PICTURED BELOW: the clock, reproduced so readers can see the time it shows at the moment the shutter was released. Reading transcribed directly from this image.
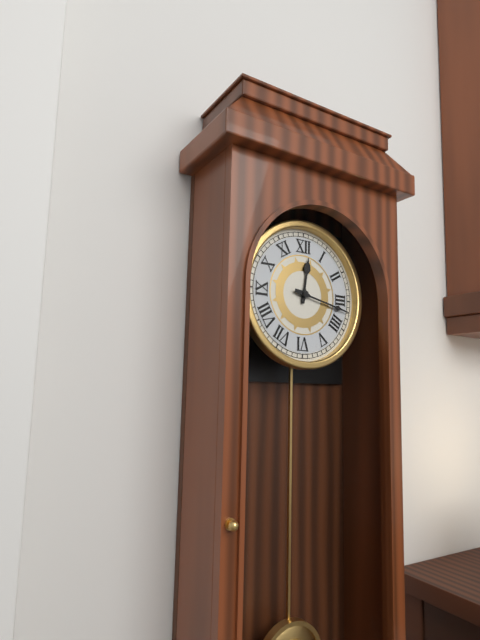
12:17
